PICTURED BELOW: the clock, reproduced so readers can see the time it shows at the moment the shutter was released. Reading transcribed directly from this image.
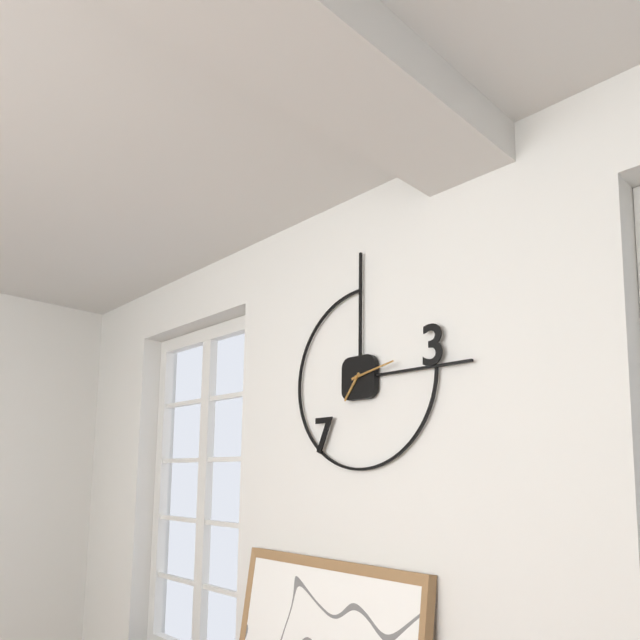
7:13
